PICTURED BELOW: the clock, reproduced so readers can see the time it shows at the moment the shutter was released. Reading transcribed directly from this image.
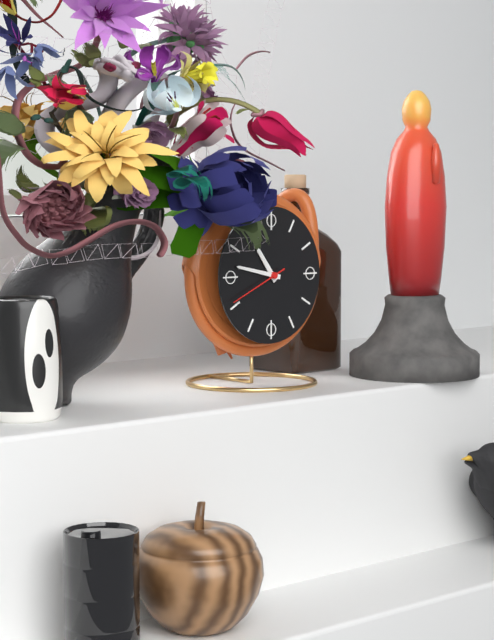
10:47
